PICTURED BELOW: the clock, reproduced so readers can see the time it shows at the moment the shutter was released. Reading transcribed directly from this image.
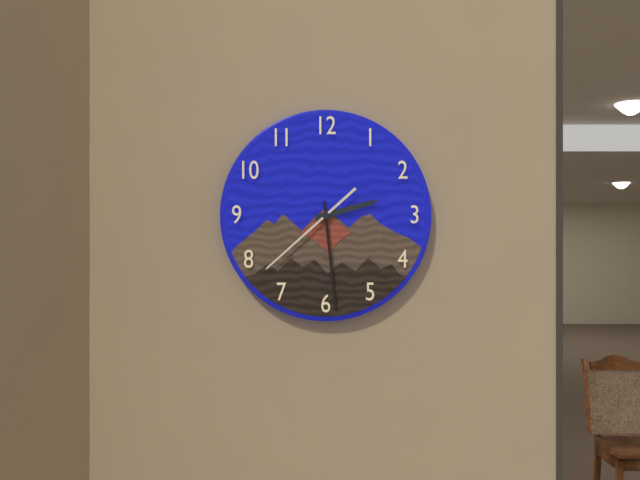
2:29:38
